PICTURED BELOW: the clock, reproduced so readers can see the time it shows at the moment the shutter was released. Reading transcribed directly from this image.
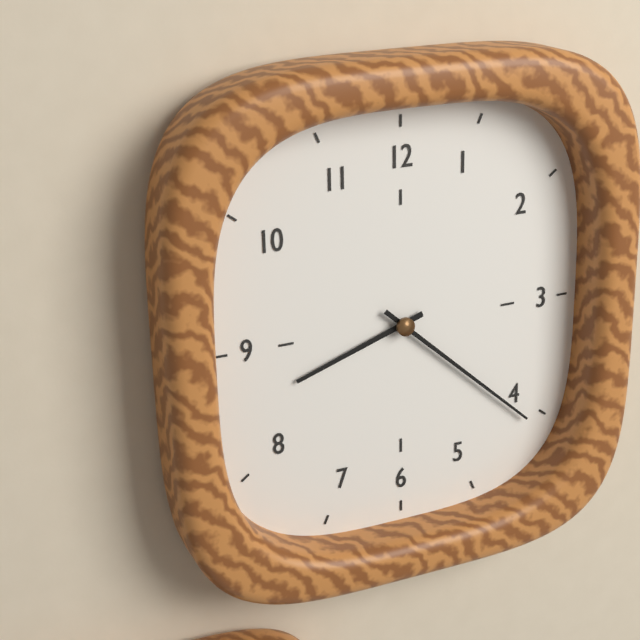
8:22
